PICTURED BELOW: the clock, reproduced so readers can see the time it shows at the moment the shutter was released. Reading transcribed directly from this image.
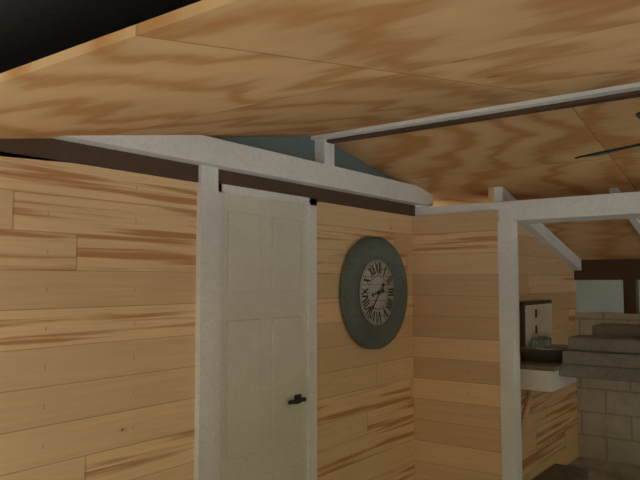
8:37
